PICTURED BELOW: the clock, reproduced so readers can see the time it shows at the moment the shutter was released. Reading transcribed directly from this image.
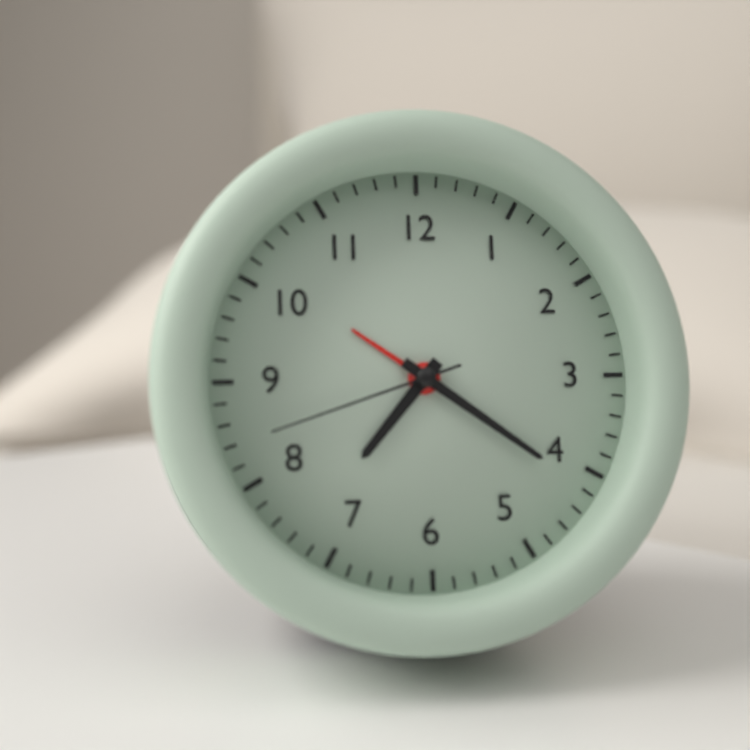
7:21:42
